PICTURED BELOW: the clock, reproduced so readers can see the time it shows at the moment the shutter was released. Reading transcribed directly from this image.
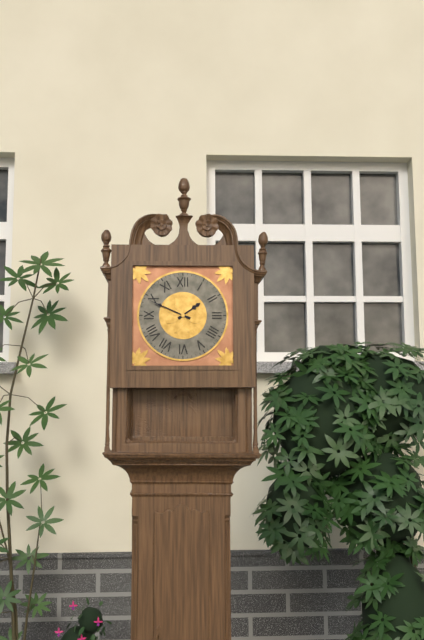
1:49
